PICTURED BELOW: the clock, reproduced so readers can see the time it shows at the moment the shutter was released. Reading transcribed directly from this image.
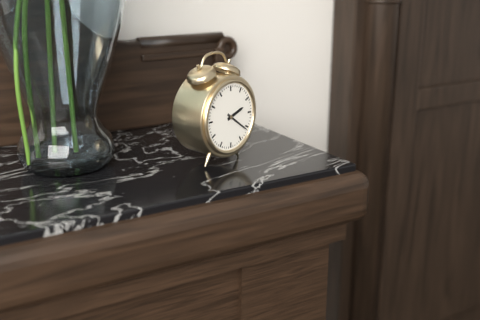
2:21
